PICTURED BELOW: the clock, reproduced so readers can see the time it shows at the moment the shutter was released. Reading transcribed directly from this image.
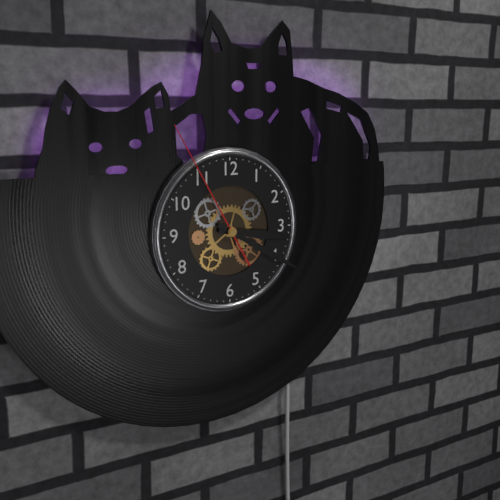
3:20:55
